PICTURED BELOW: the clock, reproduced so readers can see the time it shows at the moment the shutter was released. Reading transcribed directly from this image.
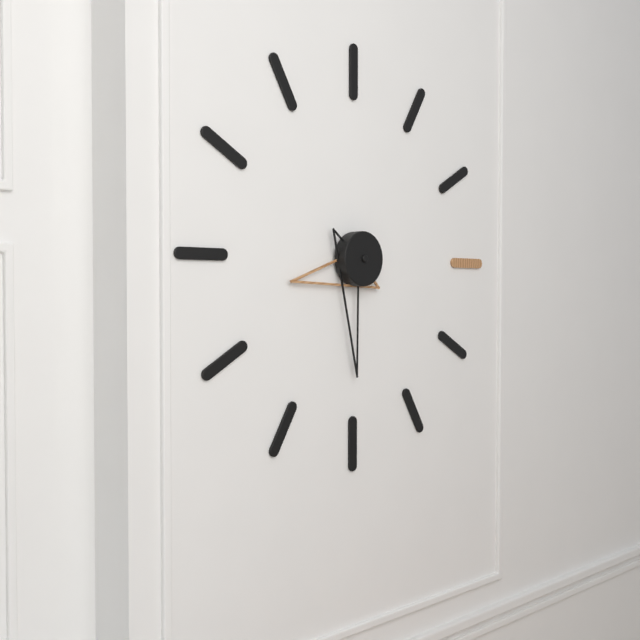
8:30
